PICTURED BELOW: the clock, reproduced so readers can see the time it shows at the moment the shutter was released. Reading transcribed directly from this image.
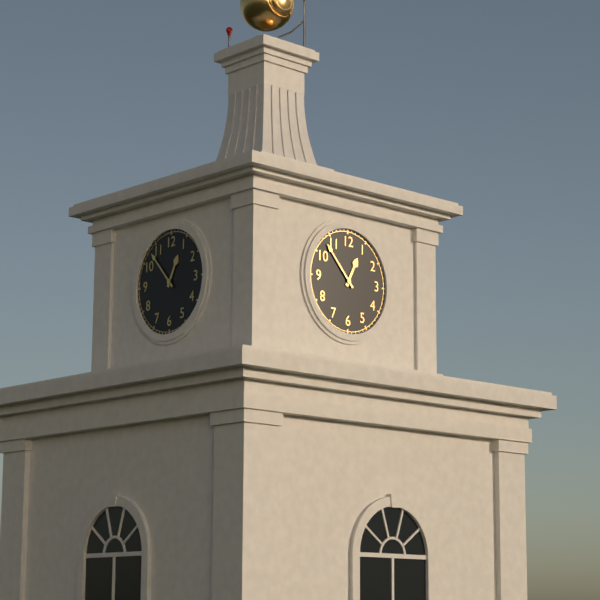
12:53
